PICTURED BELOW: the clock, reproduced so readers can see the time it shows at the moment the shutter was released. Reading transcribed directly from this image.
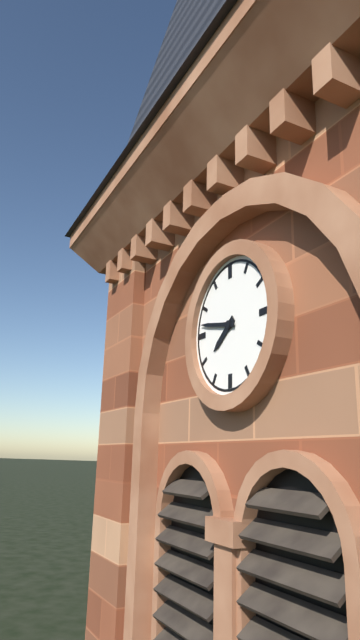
7:47
